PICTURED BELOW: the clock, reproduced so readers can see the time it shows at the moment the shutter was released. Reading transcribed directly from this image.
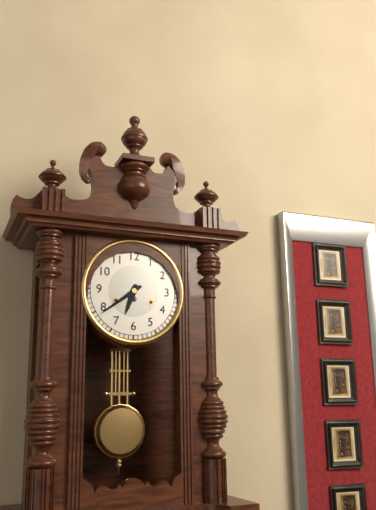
6:39
